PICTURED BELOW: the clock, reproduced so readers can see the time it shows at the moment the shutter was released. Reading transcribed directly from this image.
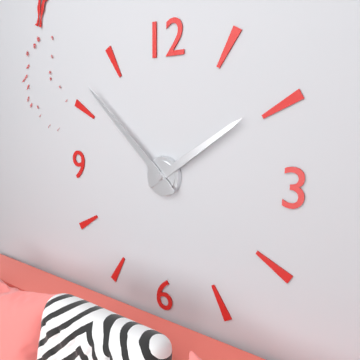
1:52
